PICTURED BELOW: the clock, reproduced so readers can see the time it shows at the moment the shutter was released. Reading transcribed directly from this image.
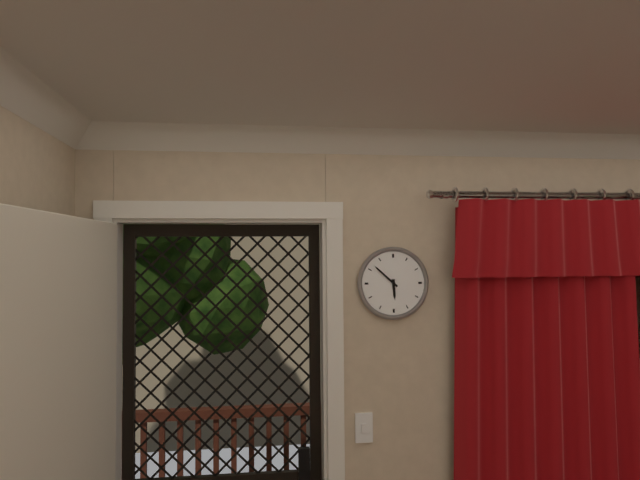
5:52
